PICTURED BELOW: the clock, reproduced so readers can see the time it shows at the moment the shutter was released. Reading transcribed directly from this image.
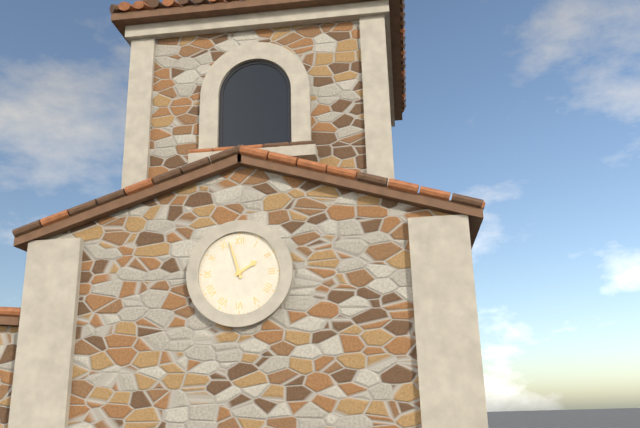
1:57
